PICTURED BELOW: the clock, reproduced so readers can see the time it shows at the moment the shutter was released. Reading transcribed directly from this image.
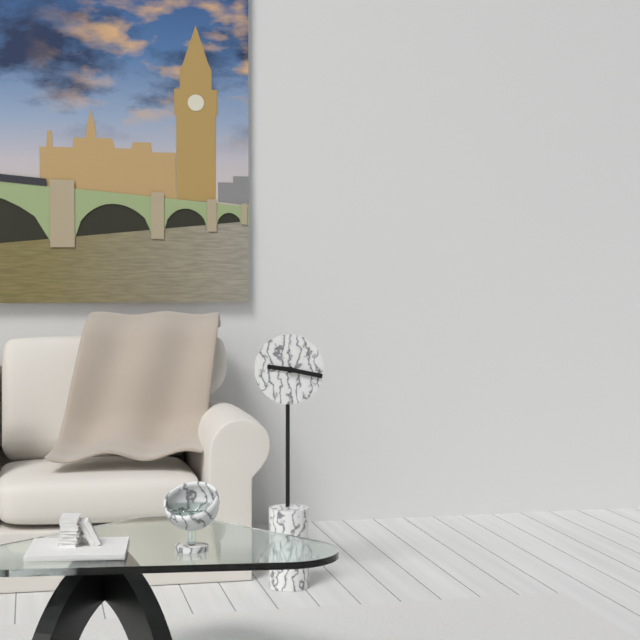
9:17
